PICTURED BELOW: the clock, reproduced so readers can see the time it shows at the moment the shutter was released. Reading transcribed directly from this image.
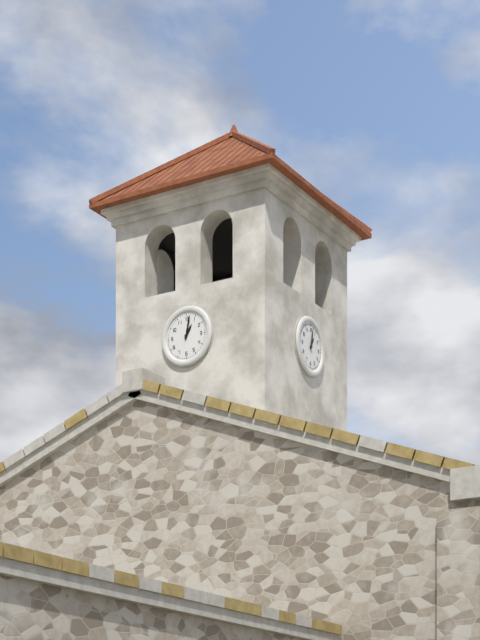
1:02
